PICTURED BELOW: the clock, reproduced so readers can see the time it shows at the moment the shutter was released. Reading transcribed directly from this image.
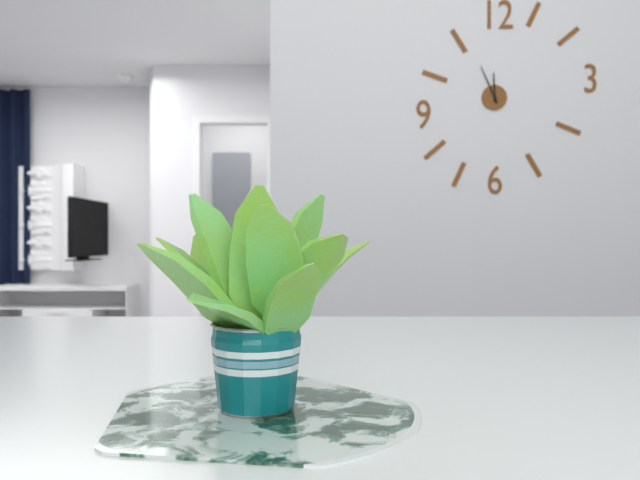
11:56
